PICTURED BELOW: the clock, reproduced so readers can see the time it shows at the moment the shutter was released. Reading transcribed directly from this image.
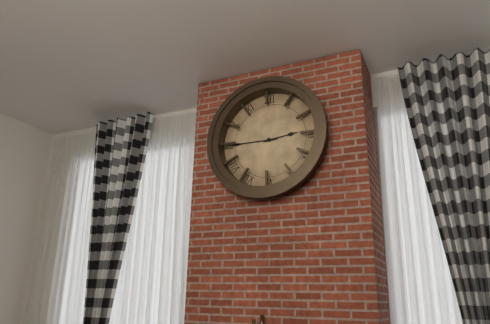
2:45
